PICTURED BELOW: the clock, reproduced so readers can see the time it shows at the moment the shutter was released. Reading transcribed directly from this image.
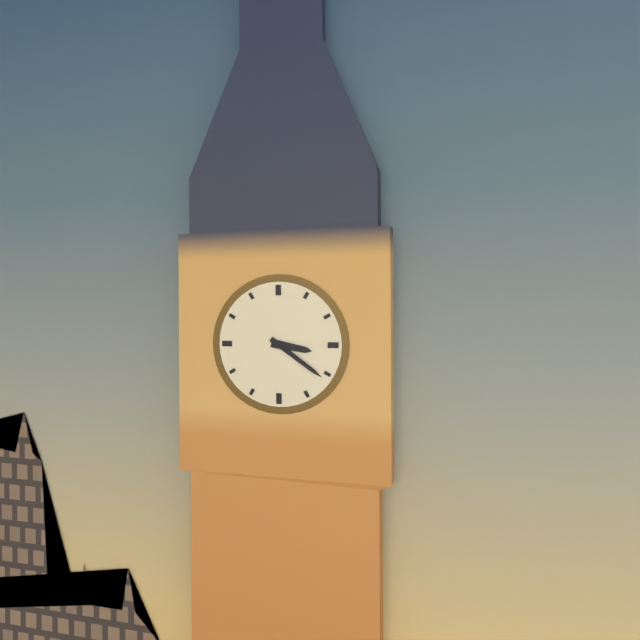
3:21
